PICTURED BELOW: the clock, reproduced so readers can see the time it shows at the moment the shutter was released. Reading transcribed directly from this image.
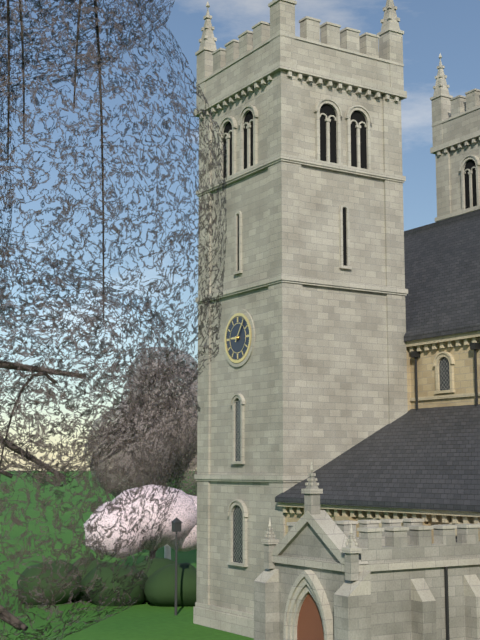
9:06
